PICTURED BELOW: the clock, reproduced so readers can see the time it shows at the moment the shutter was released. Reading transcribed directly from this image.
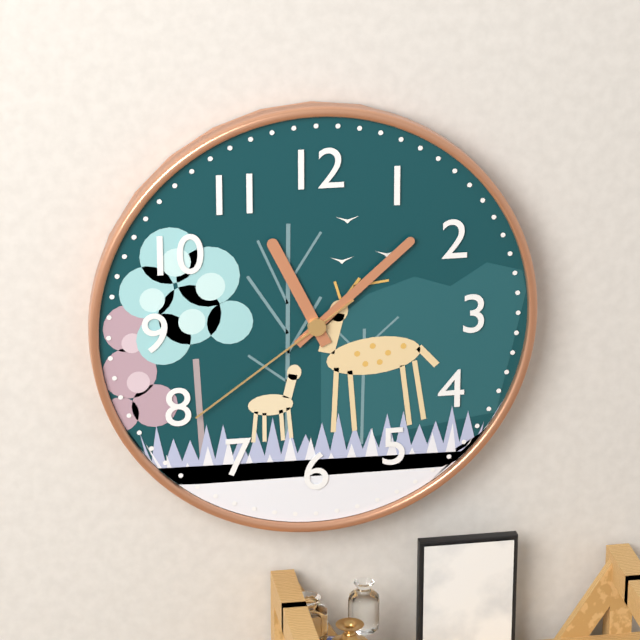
11:08:39
